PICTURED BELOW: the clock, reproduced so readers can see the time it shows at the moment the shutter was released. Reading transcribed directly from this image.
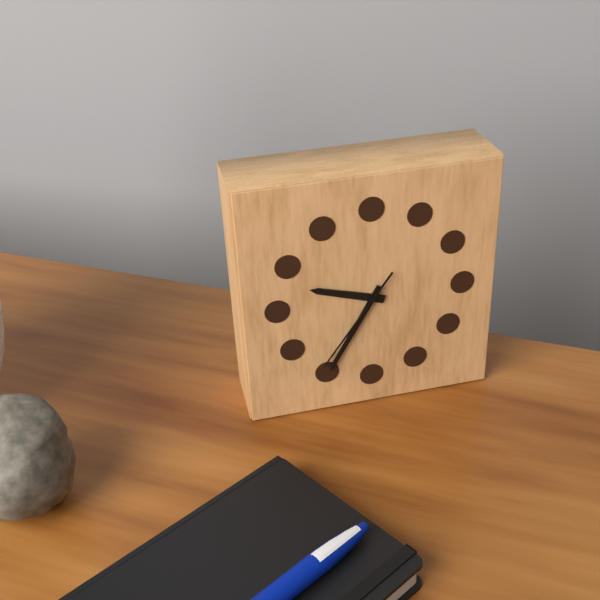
9:35:36
